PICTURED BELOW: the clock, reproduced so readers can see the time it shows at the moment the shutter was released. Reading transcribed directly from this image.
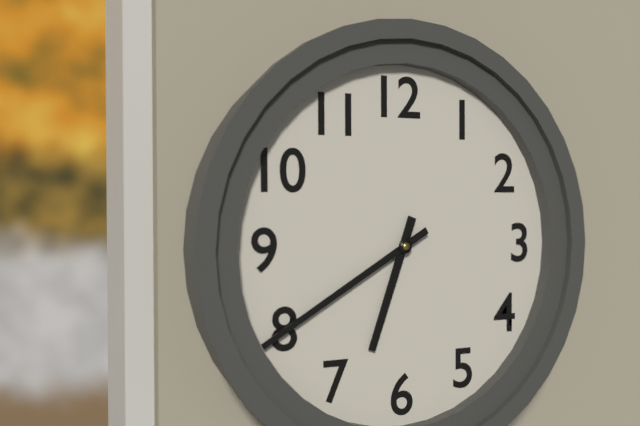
6:40
